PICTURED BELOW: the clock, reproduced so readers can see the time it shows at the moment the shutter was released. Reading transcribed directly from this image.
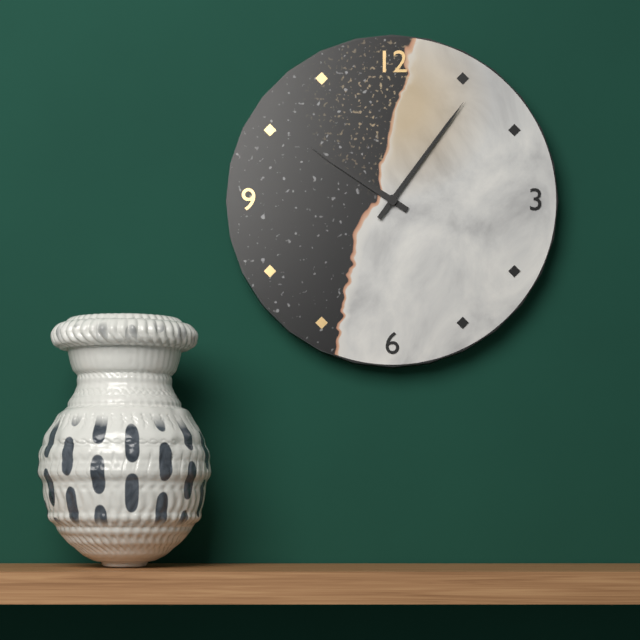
10:06
